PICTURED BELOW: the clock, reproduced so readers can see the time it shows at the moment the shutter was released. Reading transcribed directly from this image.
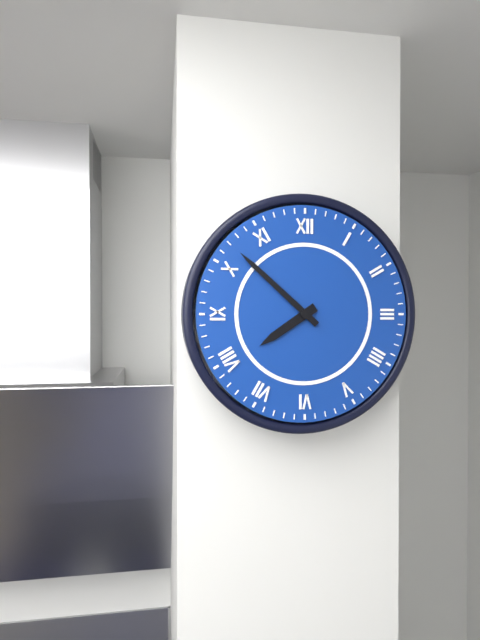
7:52
